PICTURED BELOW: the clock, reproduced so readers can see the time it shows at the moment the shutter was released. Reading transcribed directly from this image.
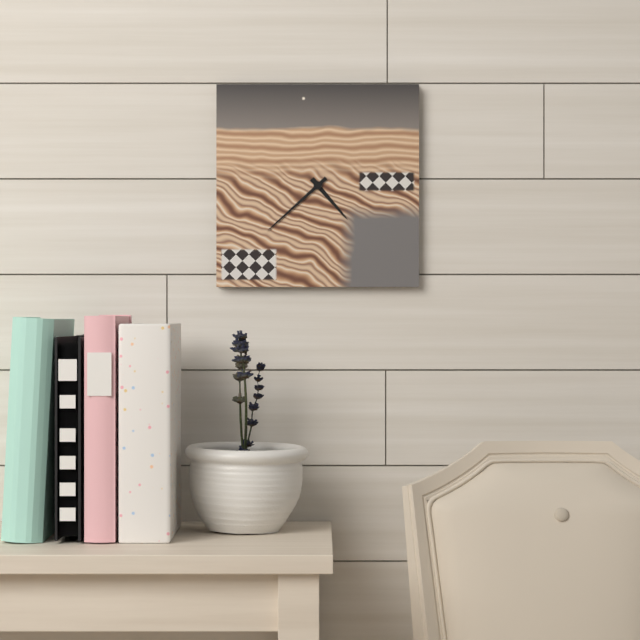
4:38
